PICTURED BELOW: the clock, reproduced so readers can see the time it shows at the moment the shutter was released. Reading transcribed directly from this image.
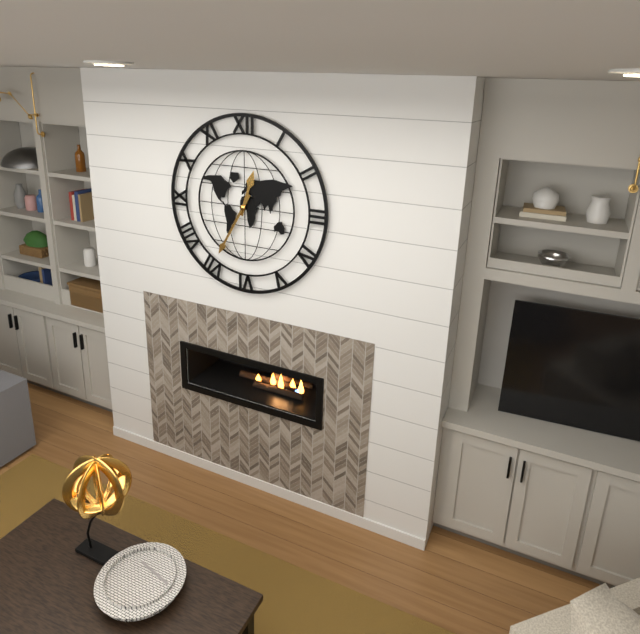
12:35
